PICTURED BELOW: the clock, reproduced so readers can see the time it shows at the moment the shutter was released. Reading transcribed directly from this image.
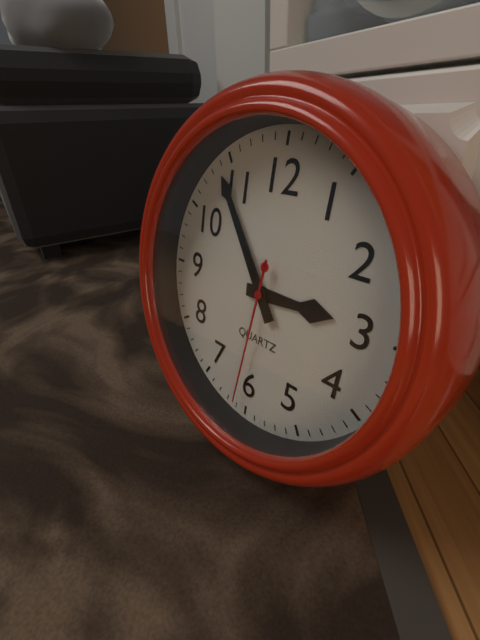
2:54:31
